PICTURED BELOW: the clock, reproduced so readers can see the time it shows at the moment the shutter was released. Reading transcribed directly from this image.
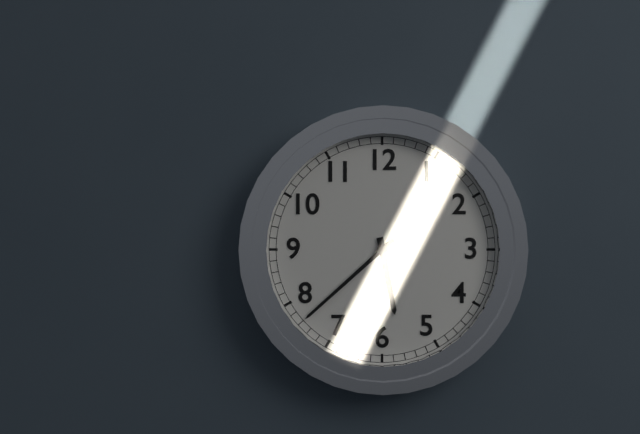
5:38
